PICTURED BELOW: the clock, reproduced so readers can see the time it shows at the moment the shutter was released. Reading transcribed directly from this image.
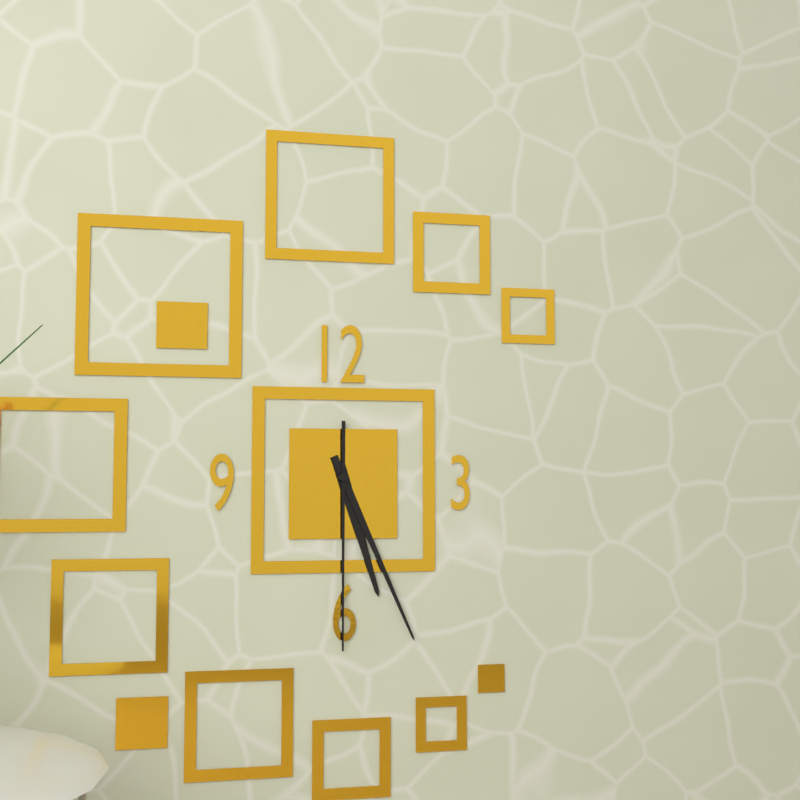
5:26:30
